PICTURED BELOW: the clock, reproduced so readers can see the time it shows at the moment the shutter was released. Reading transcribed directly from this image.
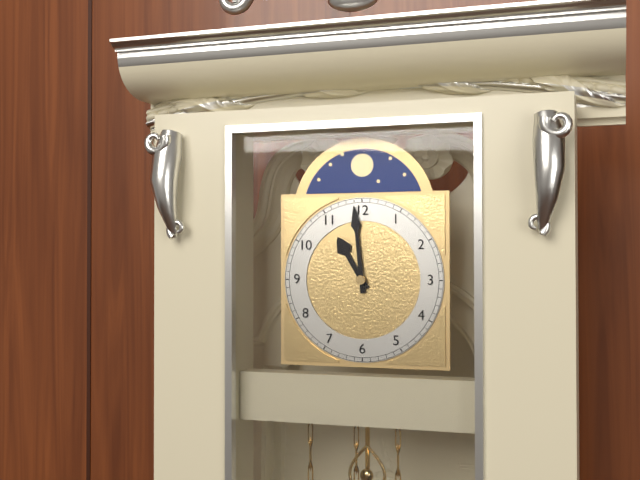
10:59
